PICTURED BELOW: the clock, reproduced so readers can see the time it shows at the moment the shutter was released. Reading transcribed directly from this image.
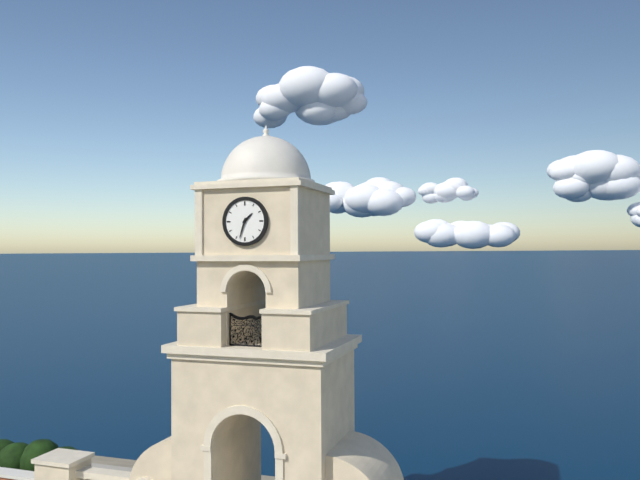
1:33
